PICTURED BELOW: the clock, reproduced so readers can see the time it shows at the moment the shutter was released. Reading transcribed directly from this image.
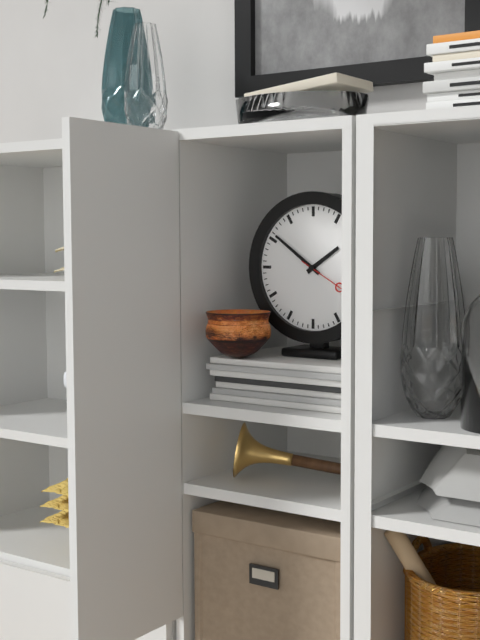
1:51
